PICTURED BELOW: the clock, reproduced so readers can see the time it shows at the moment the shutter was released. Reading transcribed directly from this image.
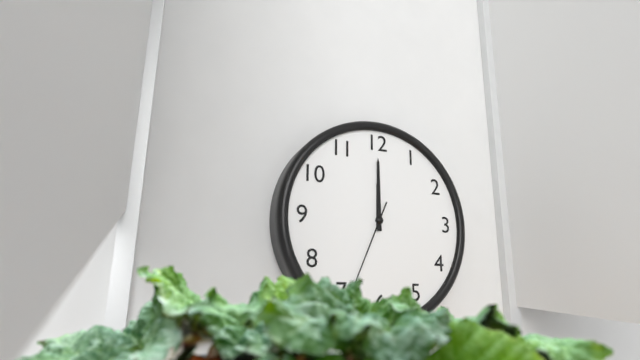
12:00:34
